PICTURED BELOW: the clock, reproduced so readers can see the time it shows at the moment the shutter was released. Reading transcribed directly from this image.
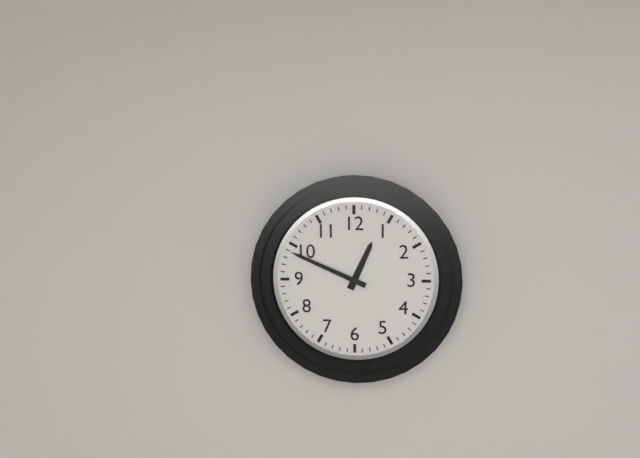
12:49
